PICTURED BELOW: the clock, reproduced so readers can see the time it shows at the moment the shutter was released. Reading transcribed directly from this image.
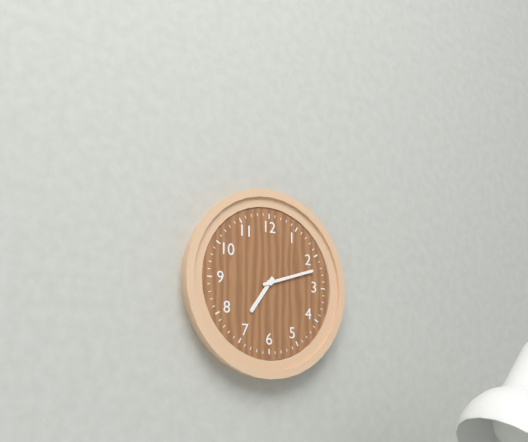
7:12
